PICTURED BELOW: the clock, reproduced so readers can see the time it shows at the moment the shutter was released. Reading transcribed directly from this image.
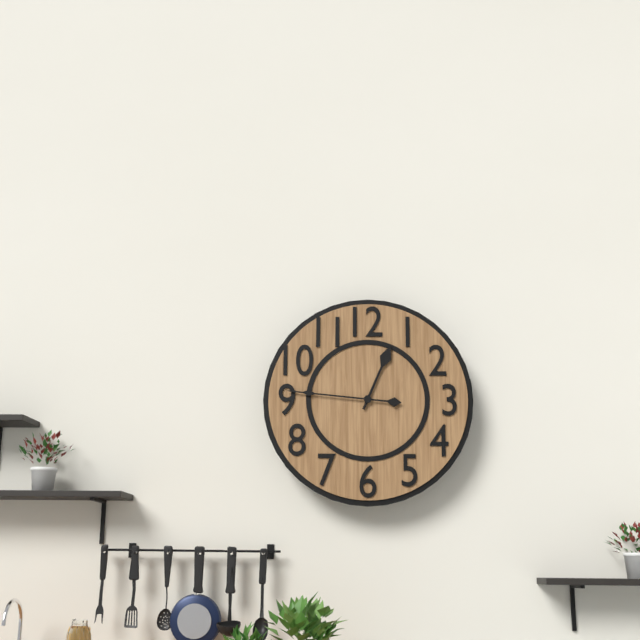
12:46
